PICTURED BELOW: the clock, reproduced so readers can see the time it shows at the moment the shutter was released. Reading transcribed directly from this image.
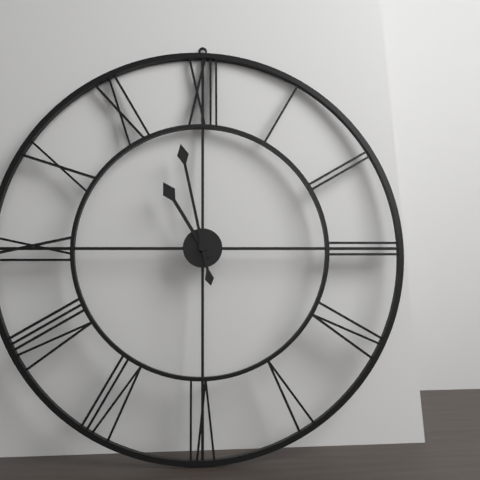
10:58
